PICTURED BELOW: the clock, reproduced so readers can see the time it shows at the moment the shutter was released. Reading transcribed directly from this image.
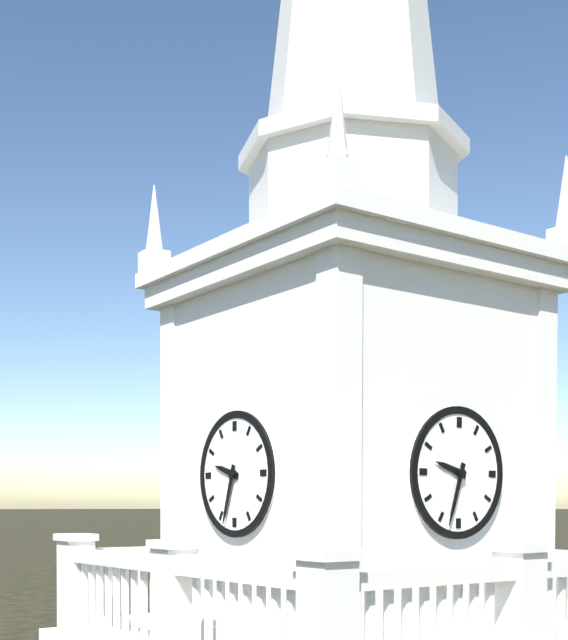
9:33
